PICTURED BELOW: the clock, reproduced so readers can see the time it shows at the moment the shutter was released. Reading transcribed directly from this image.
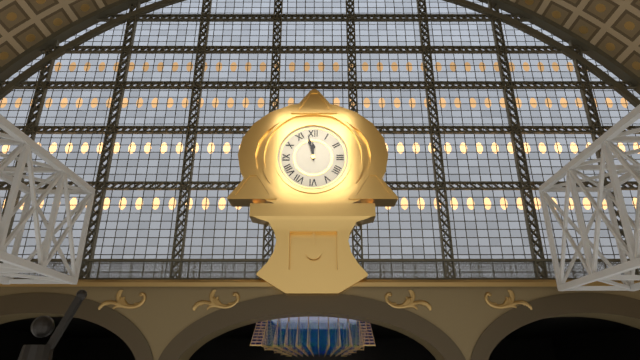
11:58
